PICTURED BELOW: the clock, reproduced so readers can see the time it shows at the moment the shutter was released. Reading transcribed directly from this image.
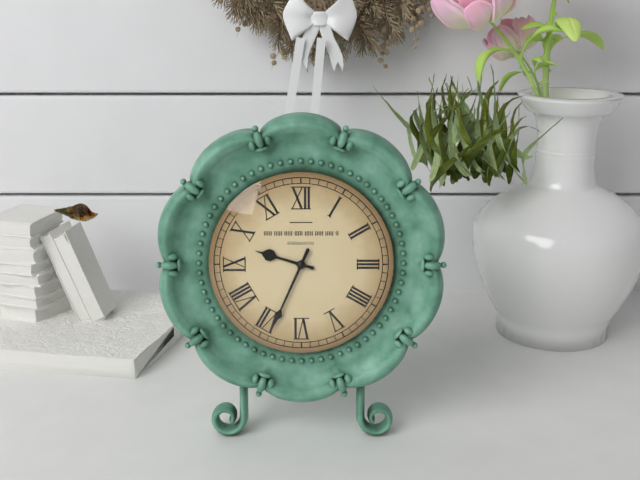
9:34
